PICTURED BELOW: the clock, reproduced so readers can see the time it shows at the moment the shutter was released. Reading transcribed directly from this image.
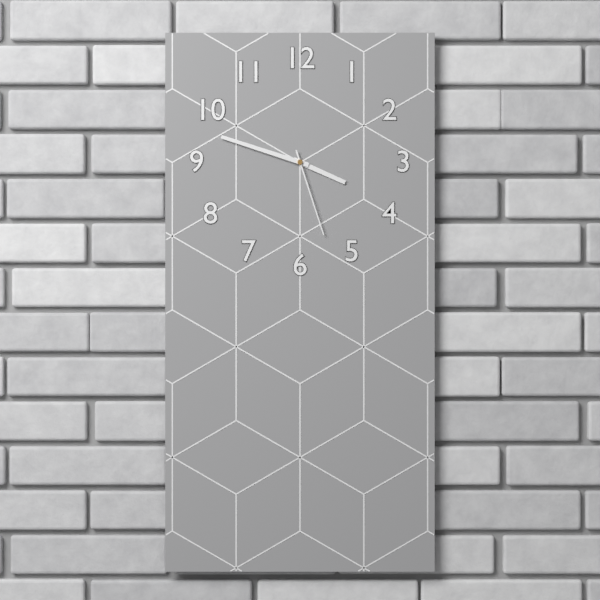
3:48:27
